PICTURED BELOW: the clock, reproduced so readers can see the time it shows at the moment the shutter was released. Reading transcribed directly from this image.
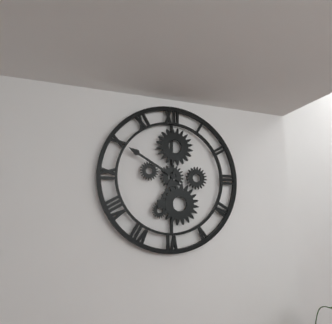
6:50
